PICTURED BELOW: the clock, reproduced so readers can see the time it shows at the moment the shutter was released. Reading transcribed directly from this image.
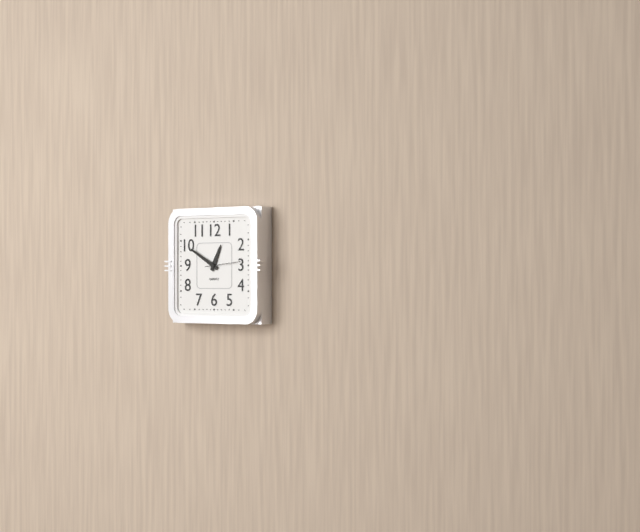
12:50
